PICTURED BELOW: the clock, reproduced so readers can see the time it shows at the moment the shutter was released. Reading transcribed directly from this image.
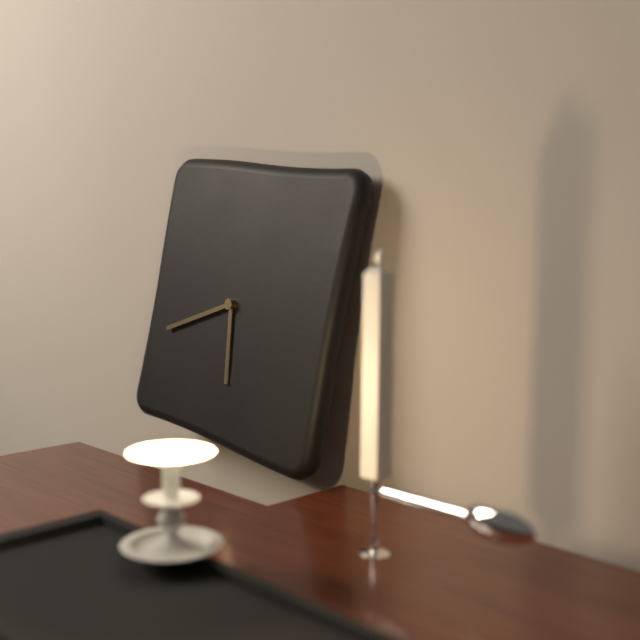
5:41
